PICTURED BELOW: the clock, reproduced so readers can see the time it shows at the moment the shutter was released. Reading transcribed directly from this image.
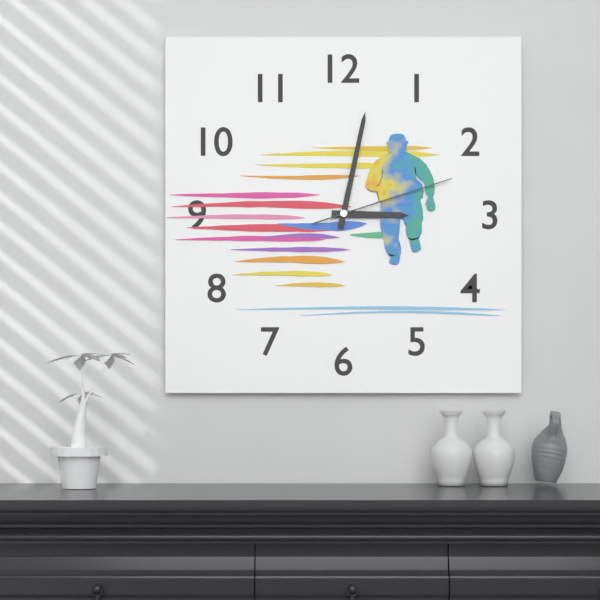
3:02:12
